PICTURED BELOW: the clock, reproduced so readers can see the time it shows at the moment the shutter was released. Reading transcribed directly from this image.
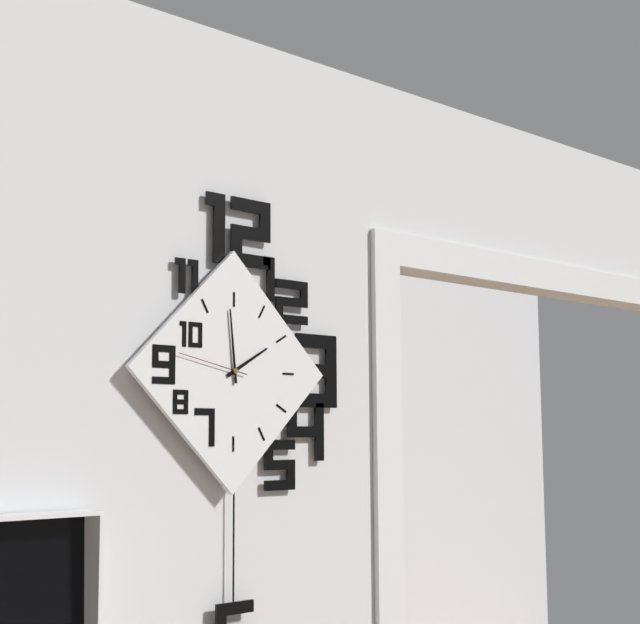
1:59:47
